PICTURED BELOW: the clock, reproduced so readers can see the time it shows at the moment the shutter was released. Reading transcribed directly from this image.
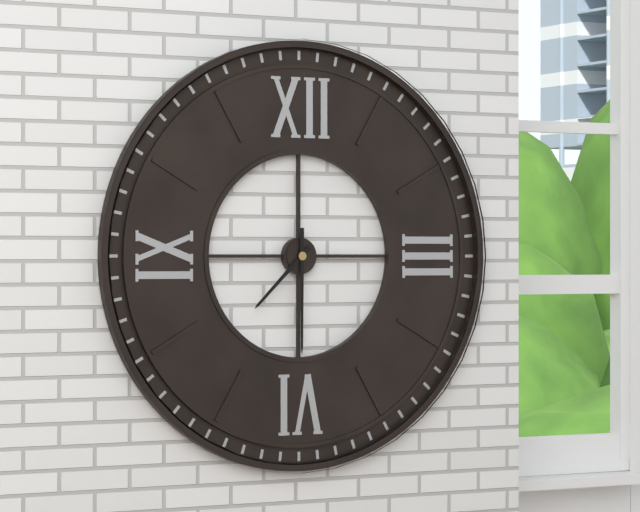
7:30
